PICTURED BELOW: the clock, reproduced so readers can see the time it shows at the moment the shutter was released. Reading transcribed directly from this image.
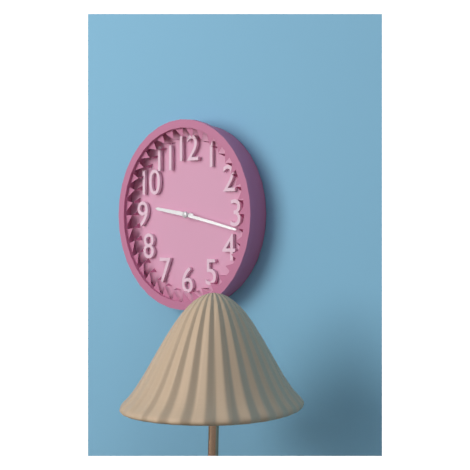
9:17
